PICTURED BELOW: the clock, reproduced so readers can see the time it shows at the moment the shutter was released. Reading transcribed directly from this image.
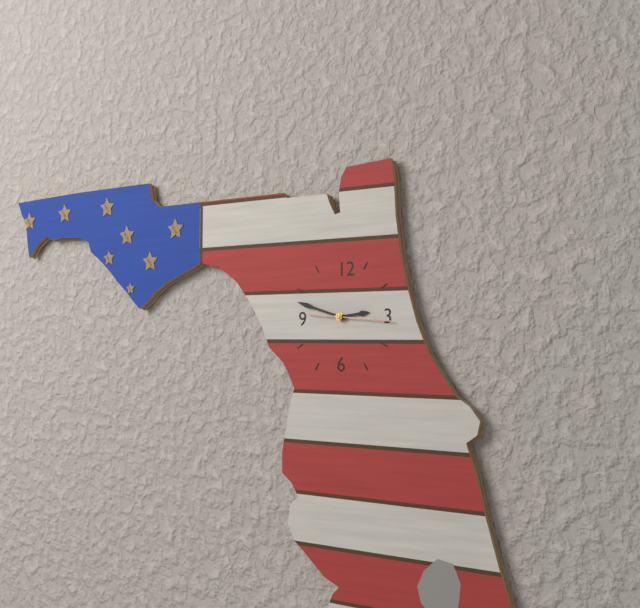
2:48:16
